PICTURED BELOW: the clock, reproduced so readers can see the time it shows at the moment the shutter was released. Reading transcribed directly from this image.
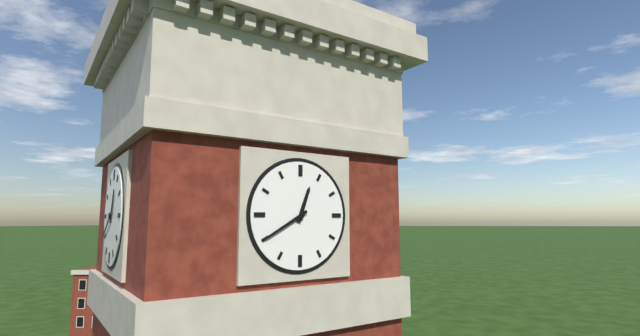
12:40
